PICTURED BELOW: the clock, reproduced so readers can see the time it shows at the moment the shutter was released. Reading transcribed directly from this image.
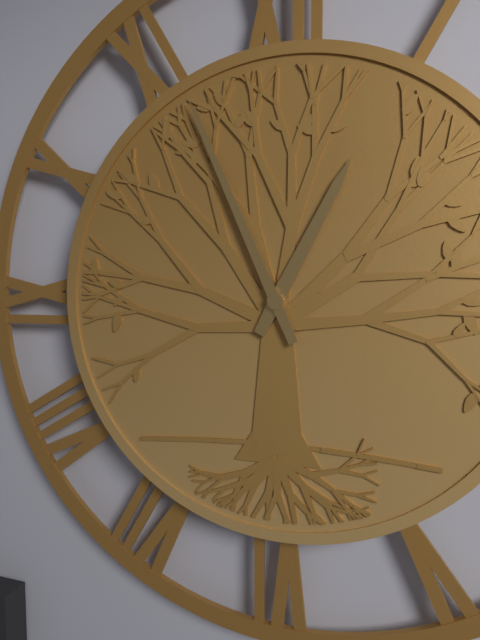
12:56
